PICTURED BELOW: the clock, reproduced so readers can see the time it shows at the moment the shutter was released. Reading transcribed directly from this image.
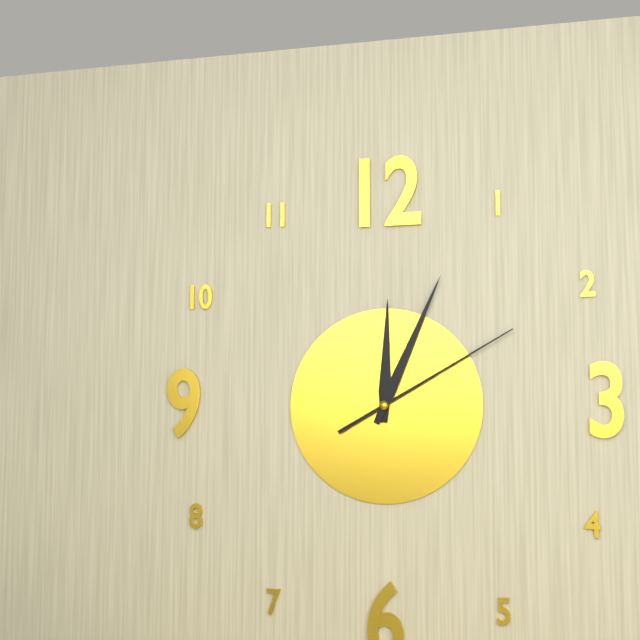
12:04:10
